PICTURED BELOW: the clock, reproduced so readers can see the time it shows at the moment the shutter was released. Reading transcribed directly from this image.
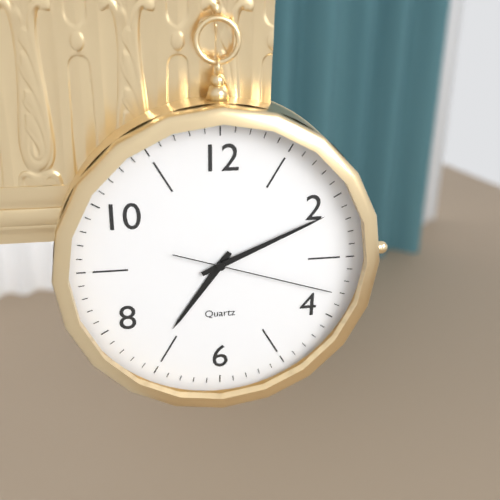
7:11:18
